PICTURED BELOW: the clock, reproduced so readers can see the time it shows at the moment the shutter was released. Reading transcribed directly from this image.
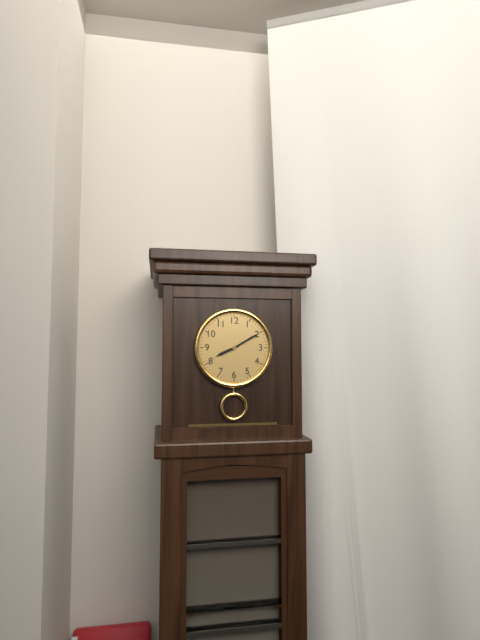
8:10
